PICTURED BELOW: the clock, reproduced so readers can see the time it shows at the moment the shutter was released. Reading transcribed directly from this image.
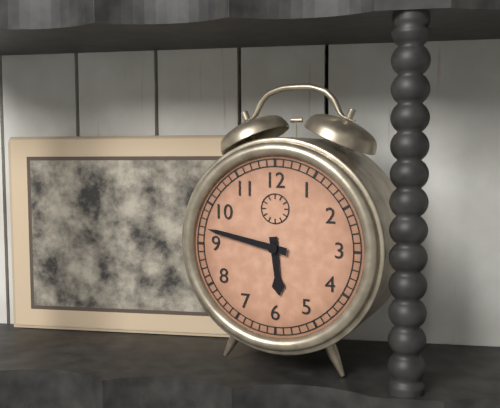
5:47
